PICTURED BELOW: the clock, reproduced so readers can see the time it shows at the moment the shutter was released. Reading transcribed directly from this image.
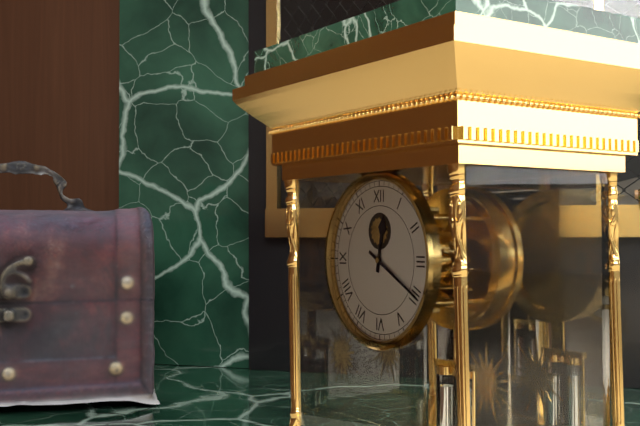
12:20
